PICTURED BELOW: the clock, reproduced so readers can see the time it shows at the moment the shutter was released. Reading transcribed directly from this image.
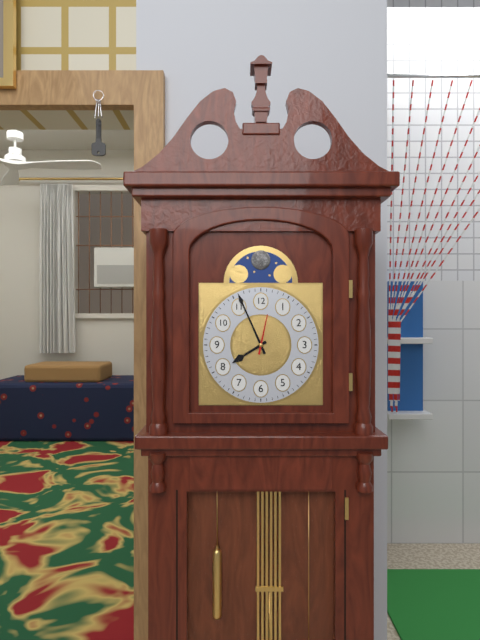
7:56
